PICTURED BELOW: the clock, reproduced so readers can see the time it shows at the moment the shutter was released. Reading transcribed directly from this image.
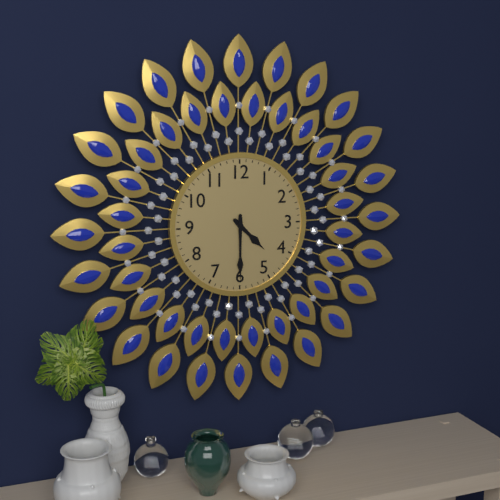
4:30
